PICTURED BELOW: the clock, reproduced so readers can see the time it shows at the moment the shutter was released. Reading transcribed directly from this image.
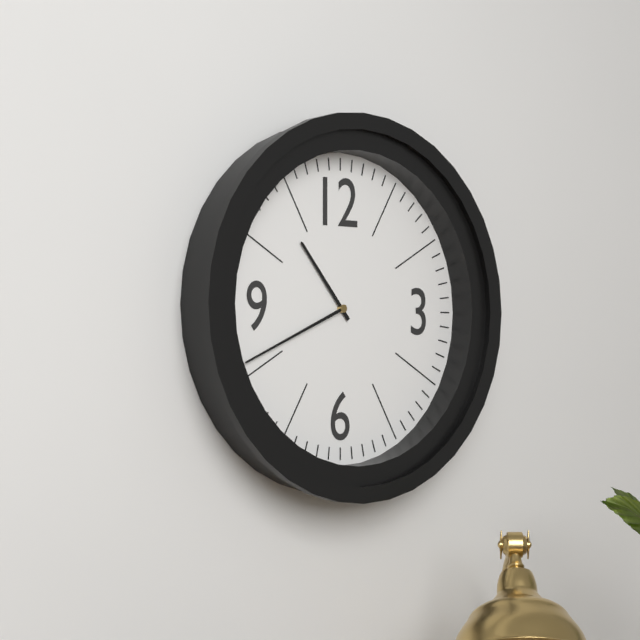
10:41
